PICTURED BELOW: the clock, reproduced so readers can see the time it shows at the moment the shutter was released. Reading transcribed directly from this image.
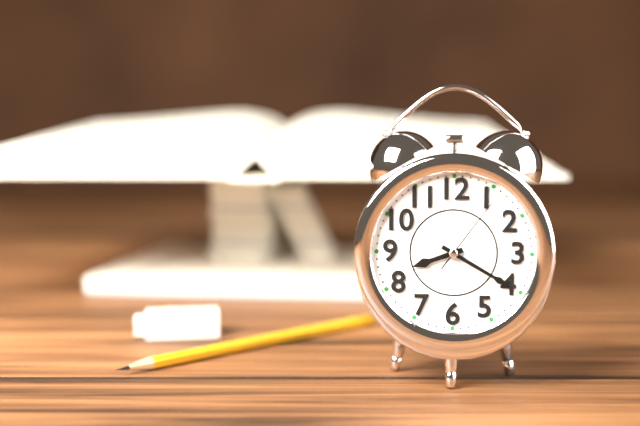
8:20:06
